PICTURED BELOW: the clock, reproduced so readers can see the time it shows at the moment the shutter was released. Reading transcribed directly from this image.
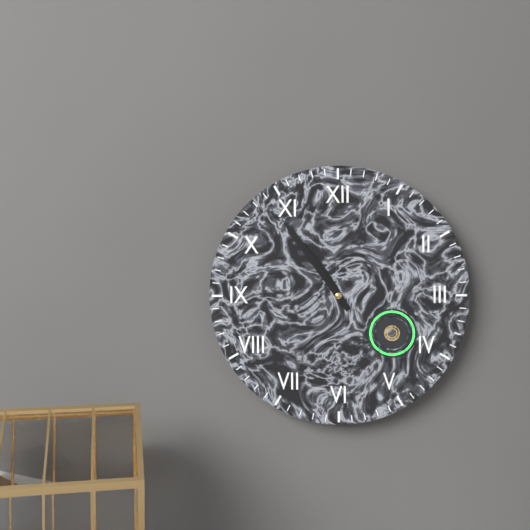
10:54
